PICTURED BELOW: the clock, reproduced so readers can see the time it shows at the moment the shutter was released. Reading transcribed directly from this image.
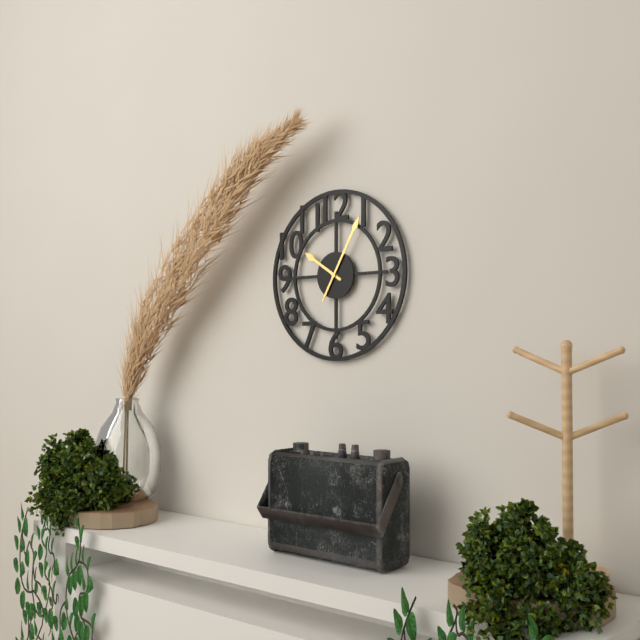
10:05
